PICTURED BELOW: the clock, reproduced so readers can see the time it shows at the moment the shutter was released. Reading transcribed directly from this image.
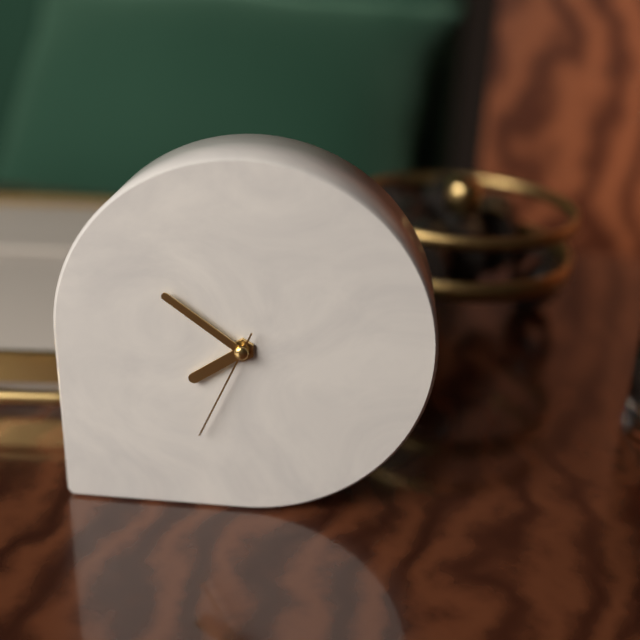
7:51:34
